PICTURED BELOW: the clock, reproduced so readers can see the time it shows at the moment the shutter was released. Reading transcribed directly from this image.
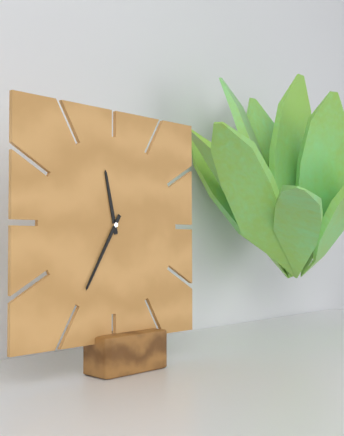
11:35
